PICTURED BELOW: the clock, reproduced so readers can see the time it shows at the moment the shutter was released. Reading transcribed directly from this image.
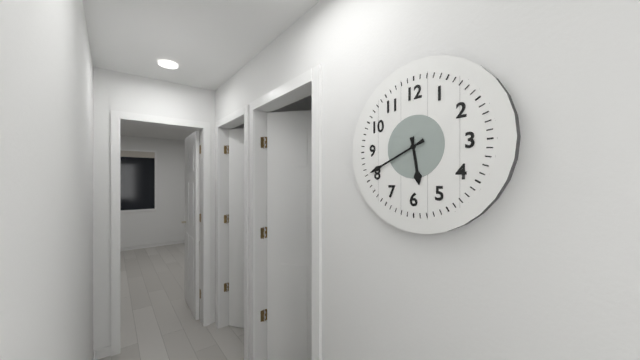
5:41
